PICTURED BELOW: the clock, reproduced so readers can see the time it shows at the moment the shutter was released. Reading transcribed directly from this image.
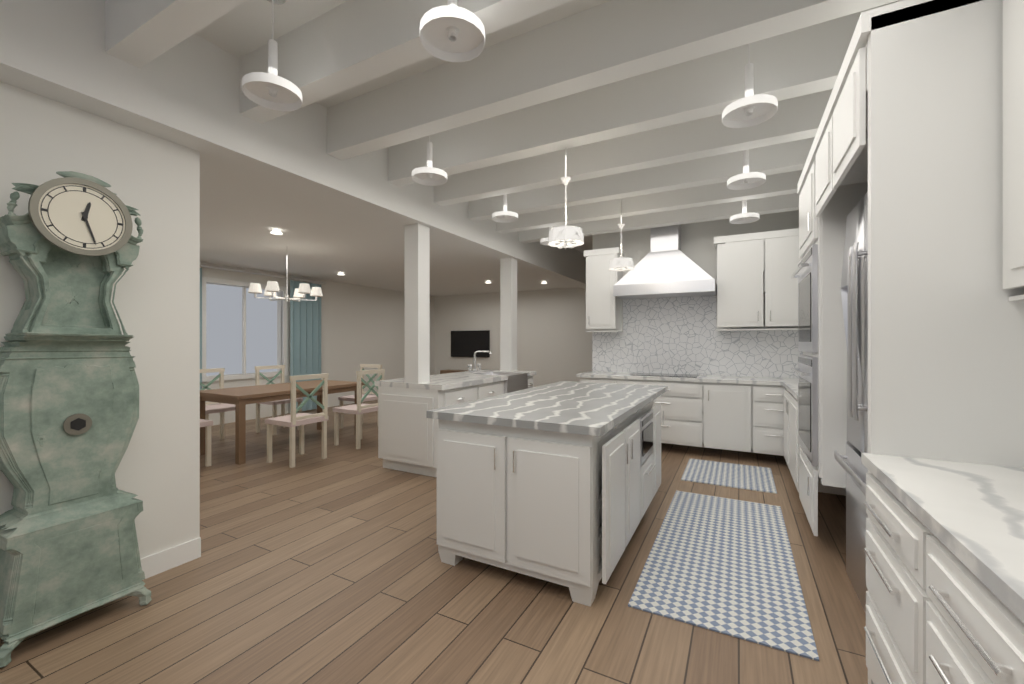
12:27
